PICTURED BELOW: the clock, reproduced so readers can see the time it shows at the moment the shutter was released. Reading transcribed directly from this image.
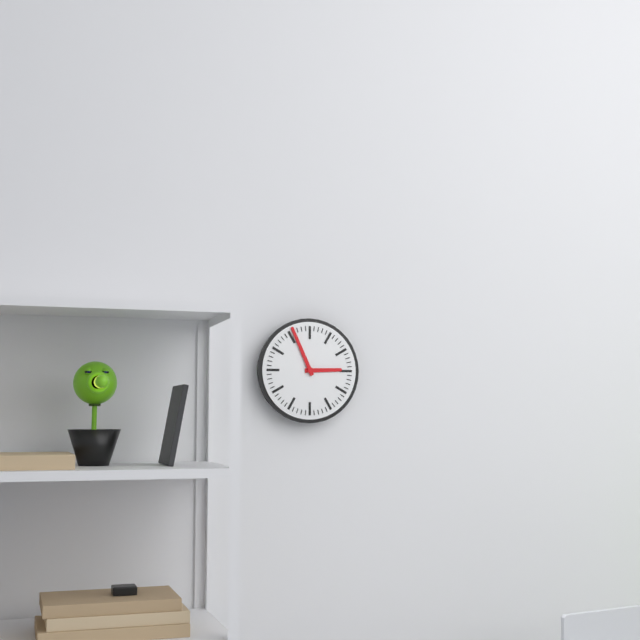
2:56
